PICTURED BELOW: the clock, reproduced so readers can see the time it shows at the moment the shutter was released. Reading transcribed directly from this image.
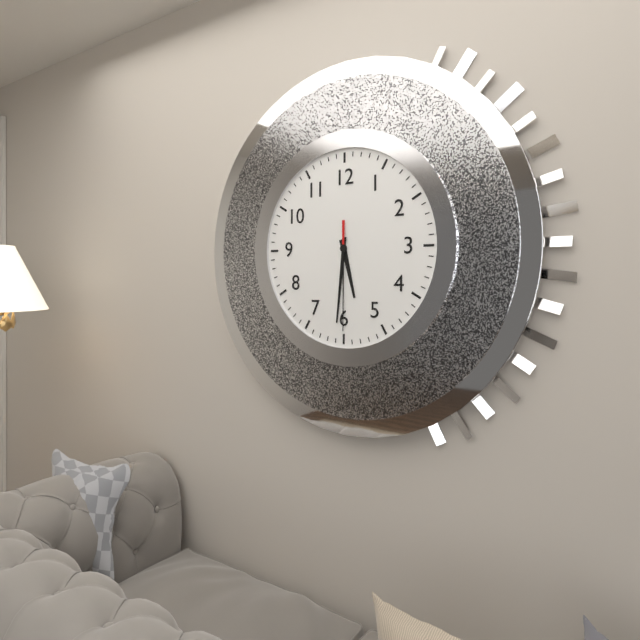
5:31:30
